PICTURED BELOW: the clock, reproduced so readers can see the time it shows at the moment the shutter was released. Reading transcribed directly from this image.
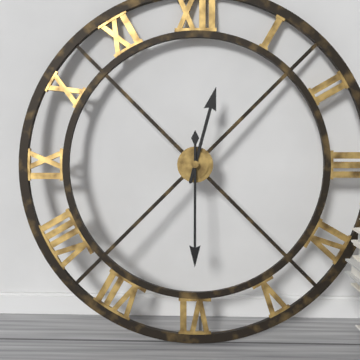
12:30
